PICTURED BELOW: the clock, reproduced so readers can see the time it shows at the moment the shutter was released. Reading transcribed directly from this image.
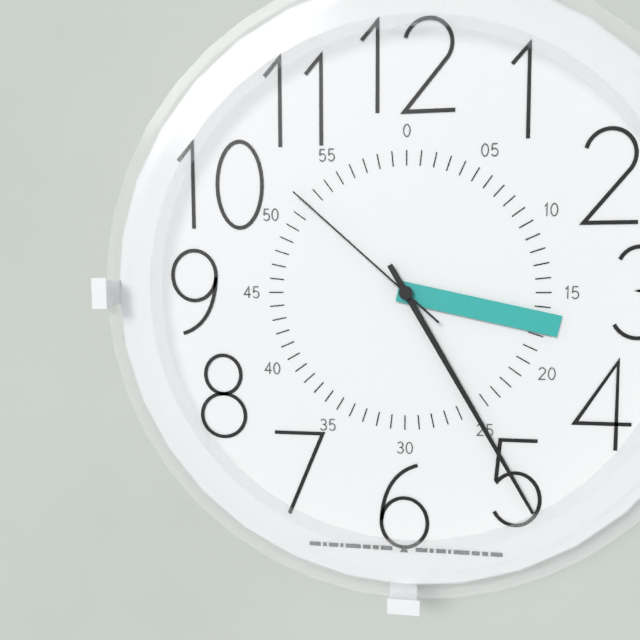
3:25:52
